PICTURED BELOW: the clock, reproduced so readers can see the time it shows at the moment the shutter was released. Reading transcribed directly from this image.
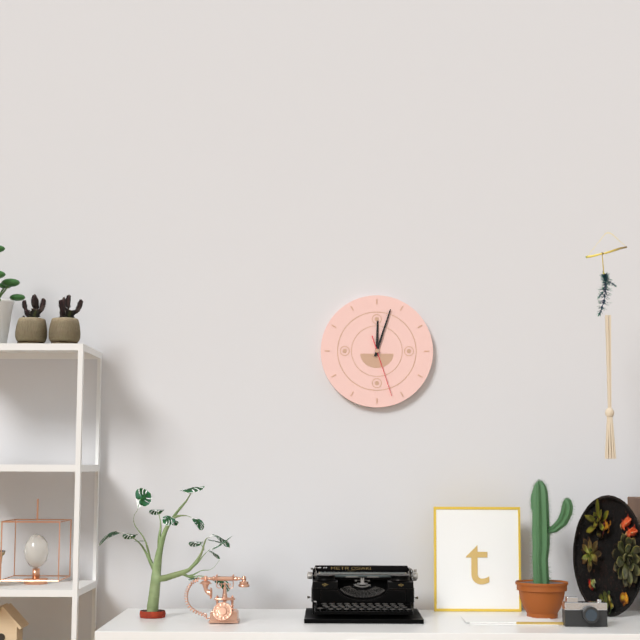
12:03:27
